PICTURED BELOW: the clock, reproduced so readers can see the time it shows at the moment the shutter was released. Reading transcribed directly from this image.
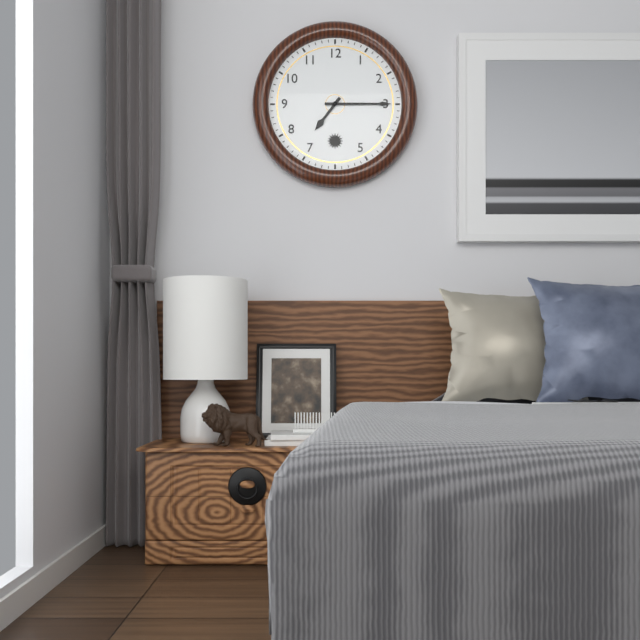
7:15
